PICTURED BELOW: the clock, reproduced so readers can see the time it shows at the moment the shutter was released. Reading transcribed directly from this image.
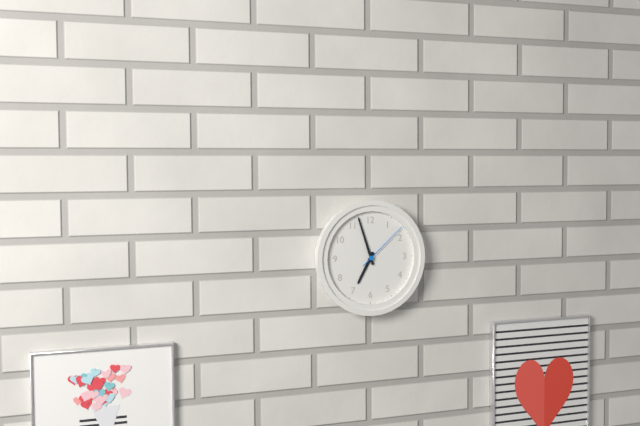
6:57:08
